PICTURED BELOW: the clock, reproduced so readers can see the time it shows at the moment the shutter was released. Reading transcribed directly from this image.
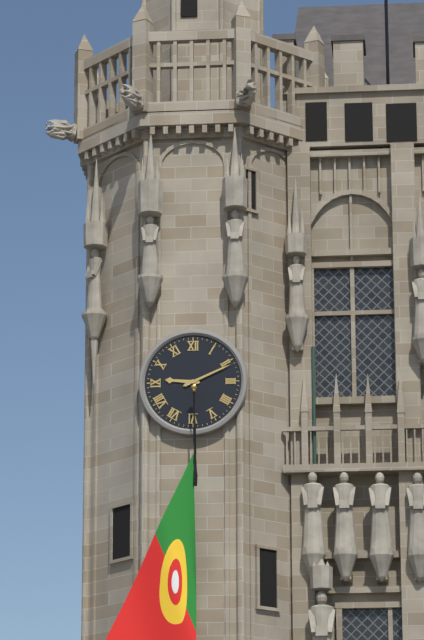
9:11
